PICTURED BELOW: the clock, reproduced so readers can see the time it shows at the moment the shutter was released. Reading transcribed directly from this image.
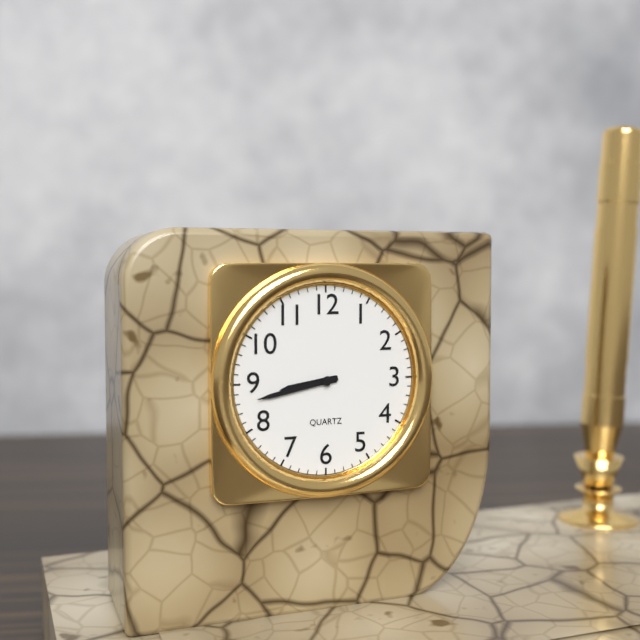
8:43
